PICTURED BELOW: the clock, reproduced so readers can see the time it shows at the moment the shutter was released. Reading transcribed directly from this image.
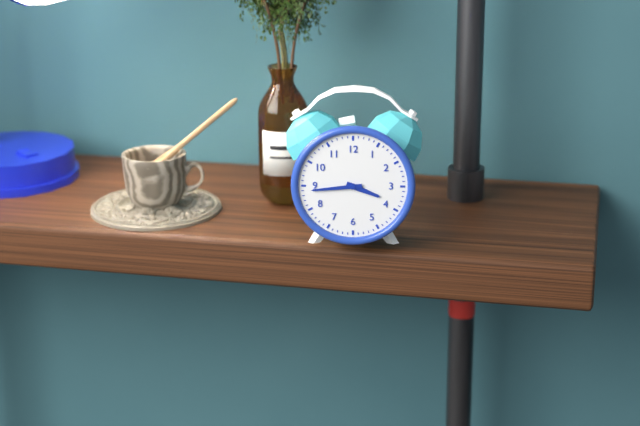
3:44
